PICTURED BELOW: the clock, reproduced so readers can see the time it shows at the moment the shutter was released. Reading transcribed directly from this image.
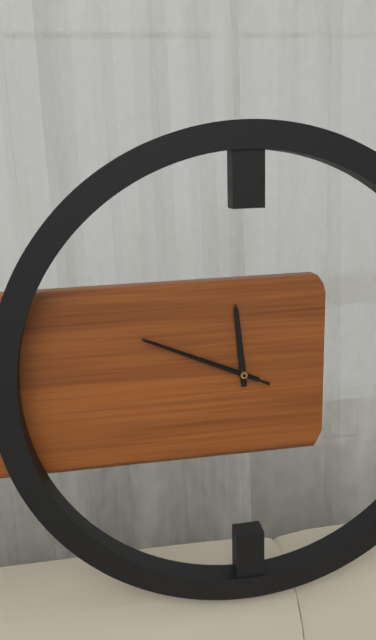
11:49:49
